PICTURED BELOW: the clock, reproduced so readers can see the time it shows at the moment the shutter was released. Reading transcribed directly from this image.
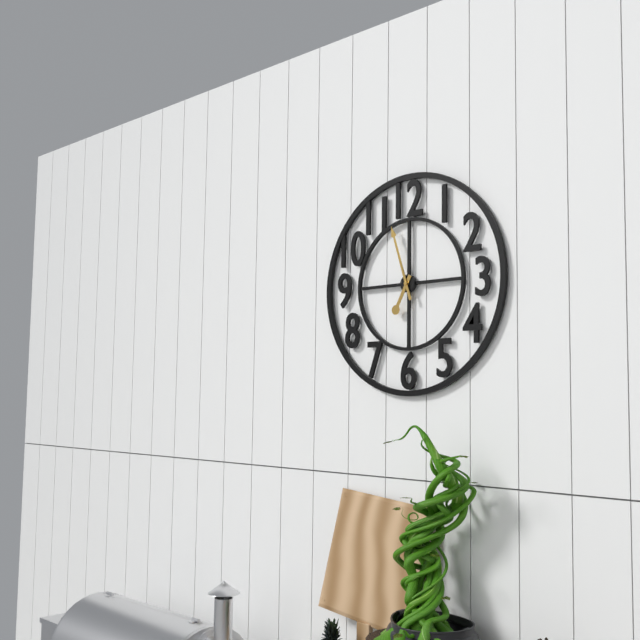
6:57
